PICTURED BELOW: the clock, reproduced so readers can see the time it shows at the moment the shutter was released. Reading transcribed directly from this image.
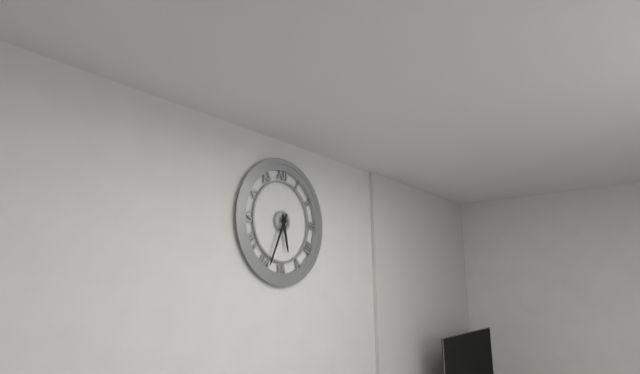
5:34
